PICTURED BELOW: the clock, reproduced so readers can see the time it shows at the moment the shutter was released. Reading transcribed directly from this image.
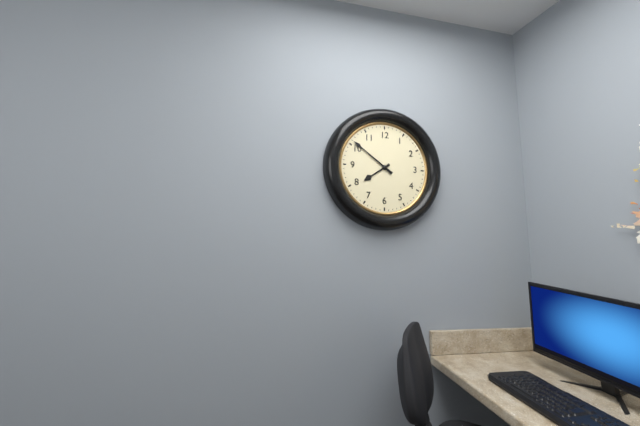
7:51
